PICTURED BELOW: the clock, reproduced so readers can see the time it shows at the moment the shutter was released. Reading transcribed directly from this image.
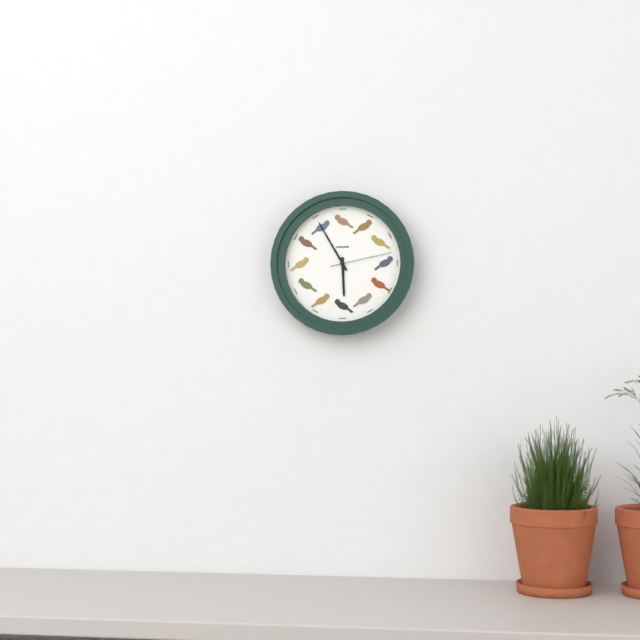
5:55:13
